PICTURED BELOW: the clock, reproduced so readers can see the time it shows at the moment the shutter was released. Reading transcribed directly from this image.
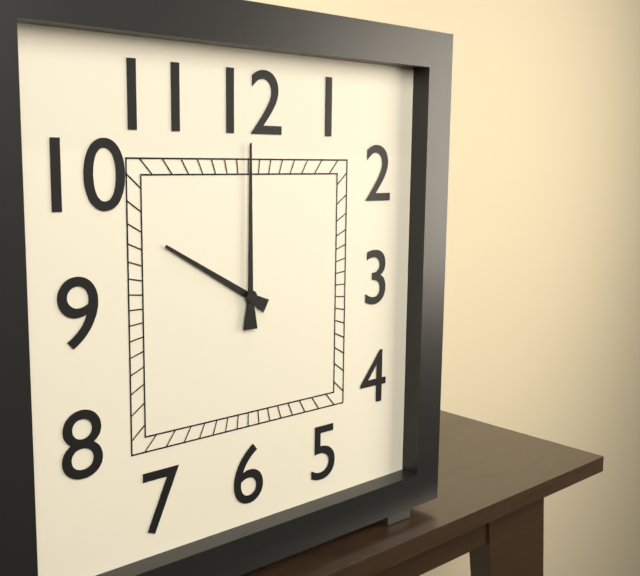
10:00
